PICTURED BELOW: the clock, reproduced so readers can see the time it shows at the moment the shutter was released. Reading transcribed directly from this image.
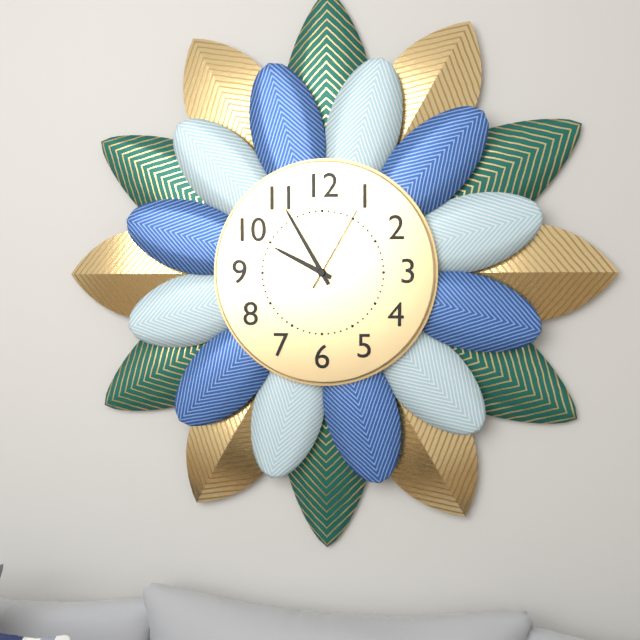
9:55:05
